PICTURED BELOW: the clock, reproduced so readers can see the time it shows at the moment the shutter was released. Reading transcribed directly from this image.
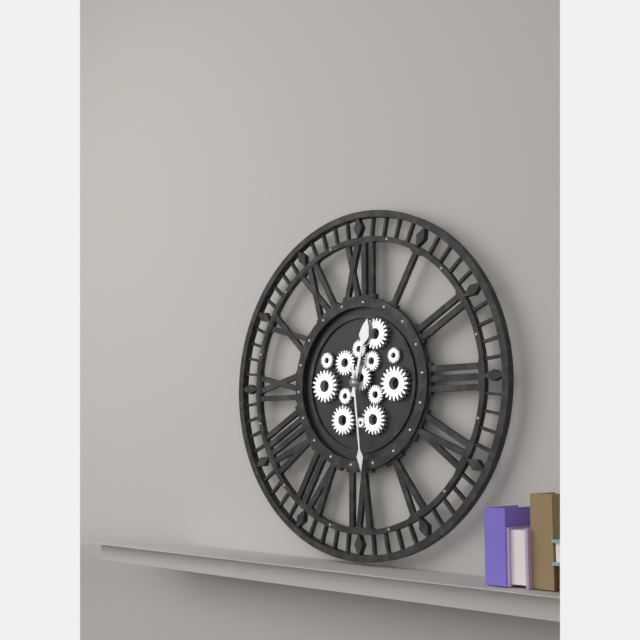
12:29
